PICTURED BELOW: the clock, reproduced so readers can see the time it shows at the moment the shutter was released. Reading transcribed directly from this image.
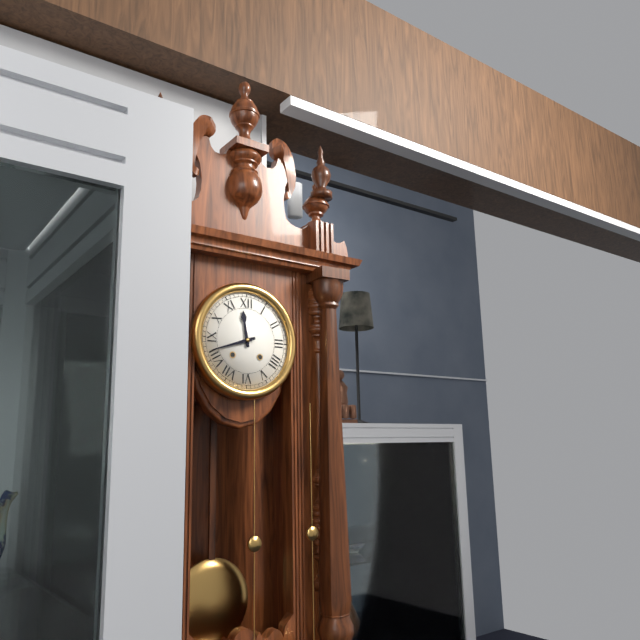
11:42
